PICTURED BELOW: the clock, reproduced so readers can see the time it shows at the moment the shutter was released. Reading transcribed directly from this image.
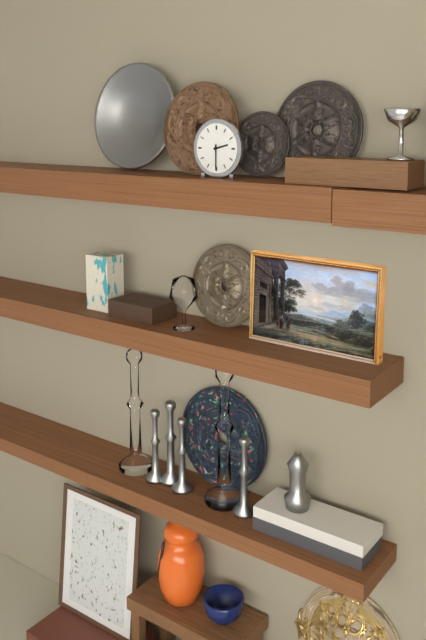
2:30
